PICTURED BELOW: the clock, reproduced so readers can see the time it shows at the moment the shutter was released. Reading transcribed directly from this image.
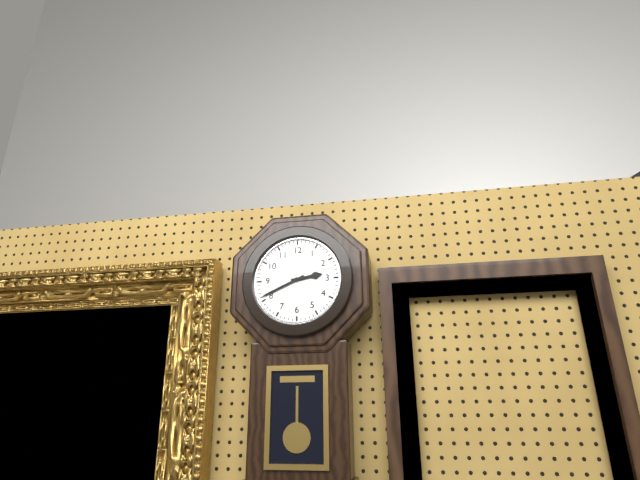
2:41
